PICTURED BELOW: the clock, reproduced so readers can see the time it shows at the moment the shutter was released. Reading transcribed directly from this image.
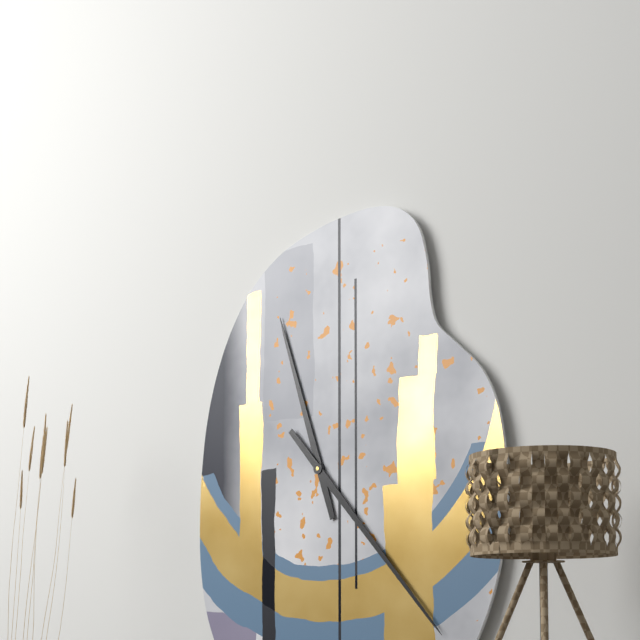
11:23
